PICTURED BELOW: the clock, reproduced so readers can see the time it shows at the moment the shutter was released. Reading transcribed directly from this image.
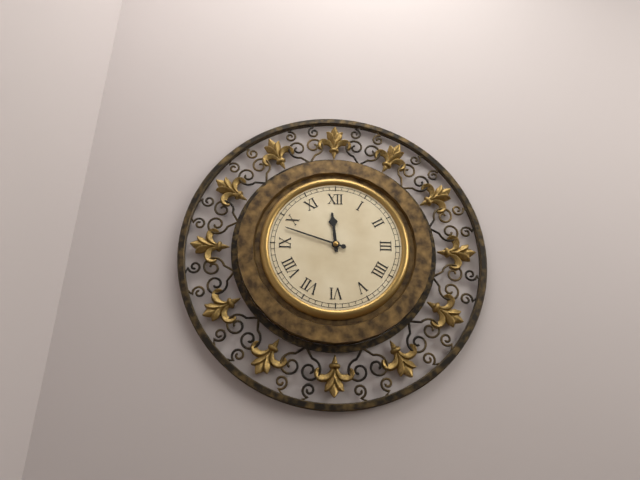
11:48
